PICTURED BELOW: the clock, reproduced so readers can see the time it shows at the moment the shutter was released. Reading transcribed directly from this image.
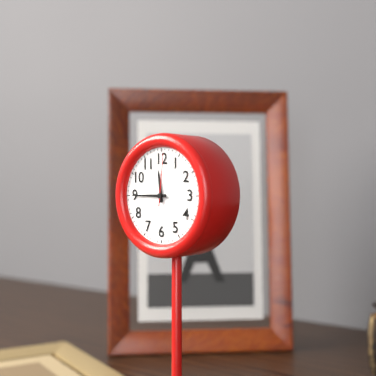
11:45:01
